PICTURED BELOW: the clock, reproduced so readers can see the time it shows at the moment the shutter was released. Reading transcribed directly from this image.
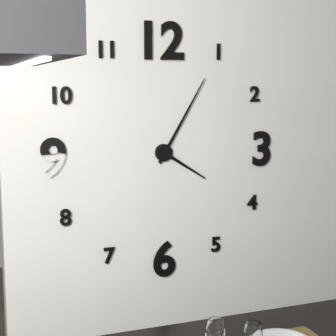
4:05
